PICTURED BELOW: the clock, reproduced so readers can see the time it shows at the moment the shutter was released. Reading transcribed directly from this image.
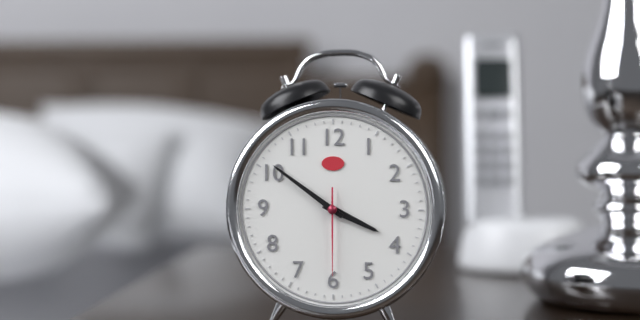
3:51:30
